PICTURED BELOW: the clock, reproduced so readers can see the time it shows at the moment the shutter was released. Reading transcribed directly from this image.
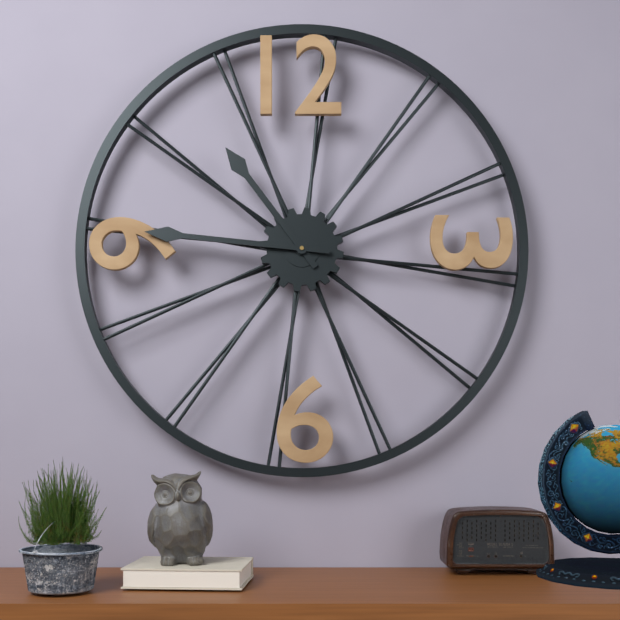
10:46
